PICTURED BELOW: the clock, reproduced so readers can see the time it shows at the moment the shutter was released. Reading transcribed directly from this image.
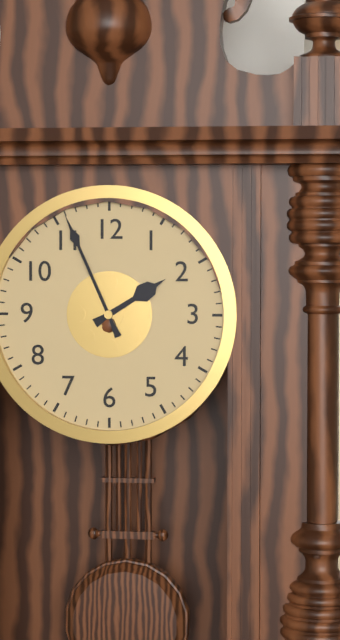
1:56
